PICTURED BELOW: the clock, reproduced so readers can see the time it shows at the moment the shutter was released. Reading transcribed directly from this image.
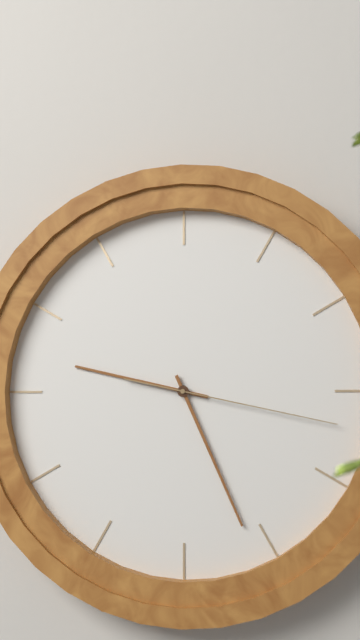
9:26:17
